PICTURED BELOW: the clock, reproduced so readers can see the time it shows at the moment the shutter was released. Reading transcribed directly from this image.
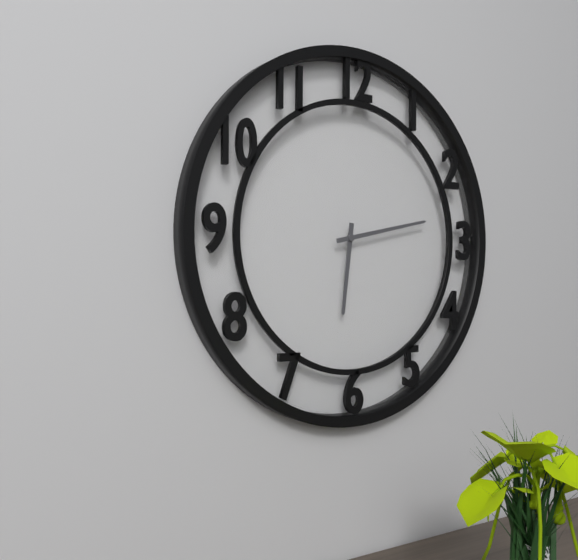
6:13
